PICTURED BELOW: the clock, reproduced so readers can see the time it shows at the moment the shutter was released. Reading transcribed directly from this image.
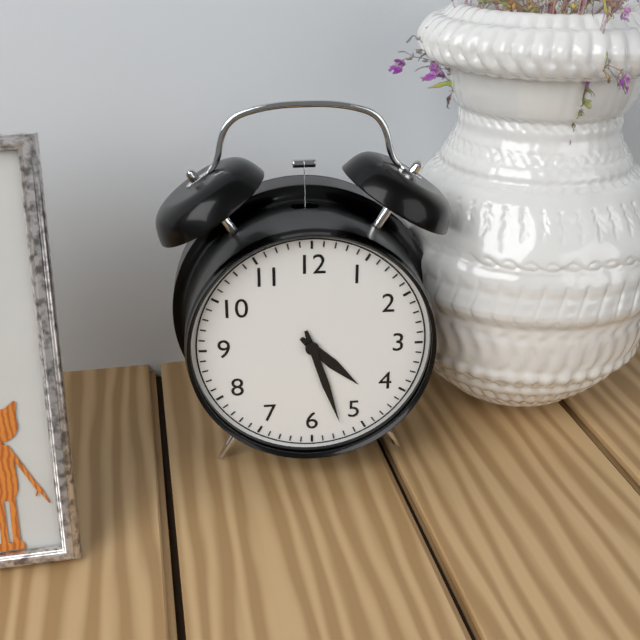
4:27
